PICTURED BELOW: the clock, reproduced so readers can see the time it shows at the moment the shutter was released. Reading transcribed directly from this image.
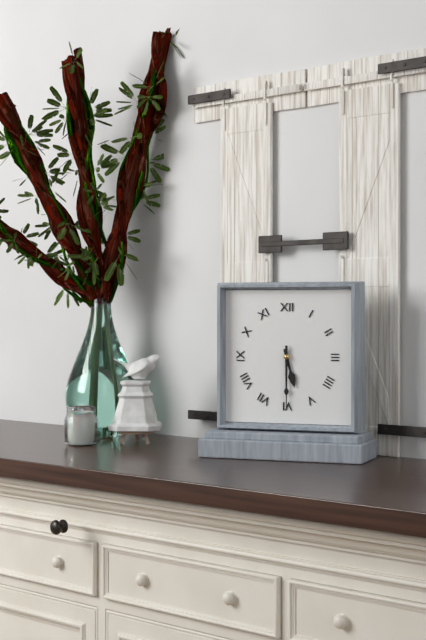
5:30
